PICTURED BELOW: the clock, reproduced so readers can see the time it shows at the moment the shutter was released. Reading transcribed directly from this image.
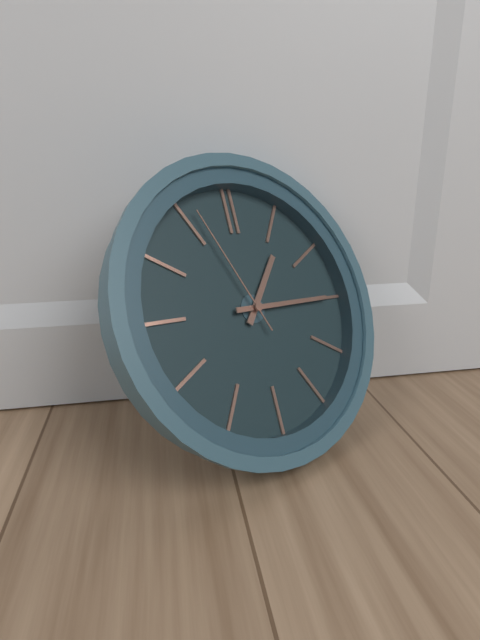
1:15:56
